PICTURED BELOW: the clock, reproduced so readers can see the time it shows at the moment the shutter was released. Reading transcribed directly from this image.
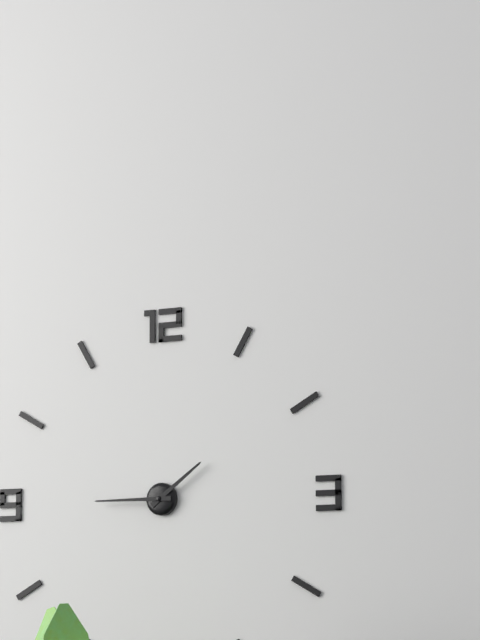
1:45
